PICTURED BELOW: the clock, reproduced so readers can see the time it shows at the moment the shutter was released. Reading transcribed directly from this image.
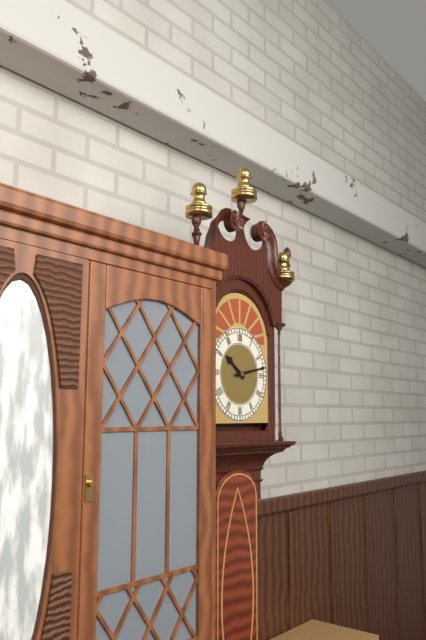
10:13
